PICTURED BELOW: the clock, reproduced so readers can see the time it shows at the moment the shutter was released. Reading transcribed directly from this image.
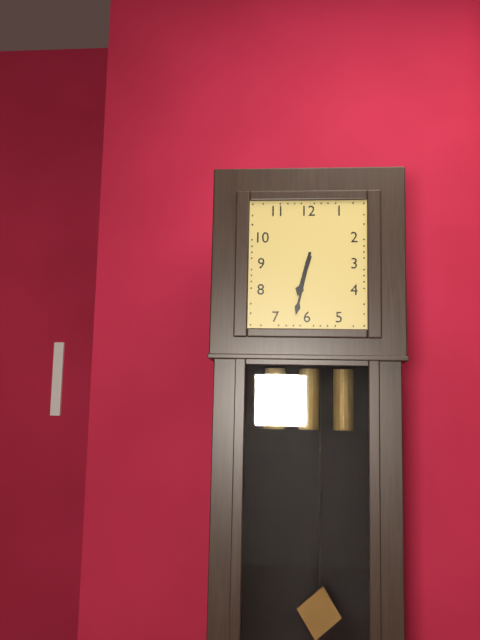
6:32
